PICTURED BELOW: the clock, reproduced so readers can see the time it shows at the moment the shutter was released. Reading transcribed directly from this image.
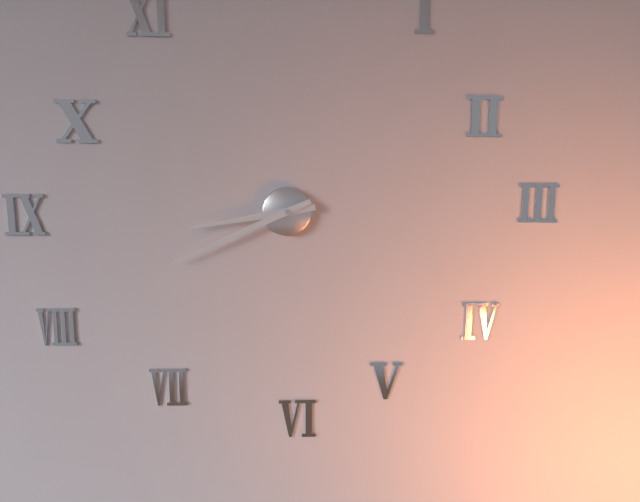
8:41
